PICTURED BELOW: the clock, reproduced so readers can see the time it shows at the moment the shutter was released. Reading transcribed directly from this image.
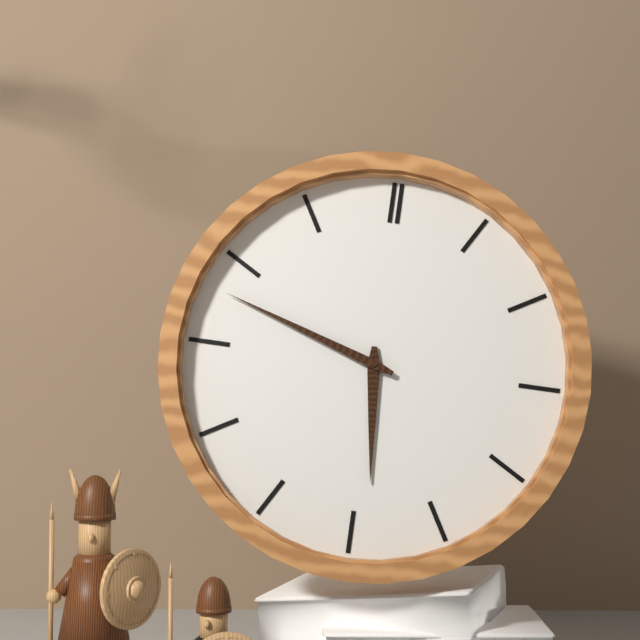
5:48
